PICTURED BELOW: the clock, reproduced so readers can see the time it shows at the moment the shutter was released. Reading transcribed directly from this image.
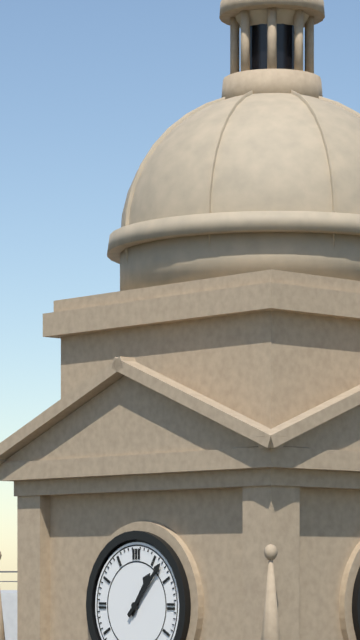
1:07
